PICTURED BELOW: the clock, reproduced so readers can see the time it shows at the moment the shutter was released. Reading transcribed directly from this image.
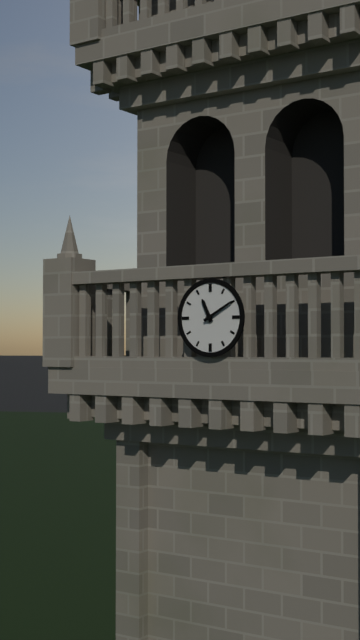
11:10
